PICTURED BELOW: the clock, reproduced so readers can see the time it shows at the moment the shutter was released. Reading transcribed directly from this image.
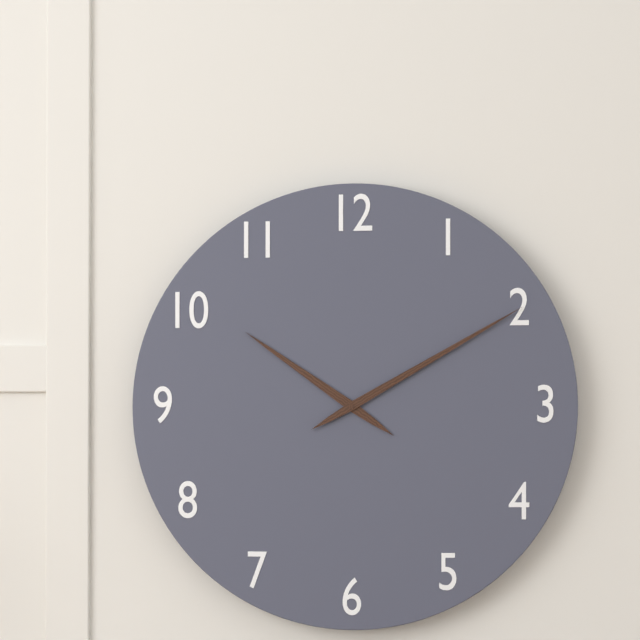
10:10
